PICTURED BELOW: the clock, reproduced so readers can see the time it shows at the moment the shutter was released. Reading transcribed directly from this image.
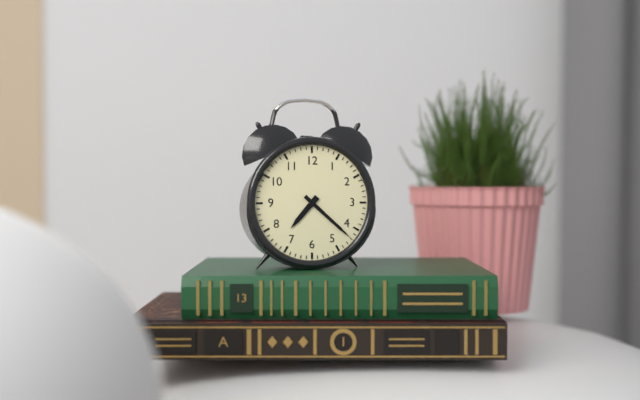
7:22
